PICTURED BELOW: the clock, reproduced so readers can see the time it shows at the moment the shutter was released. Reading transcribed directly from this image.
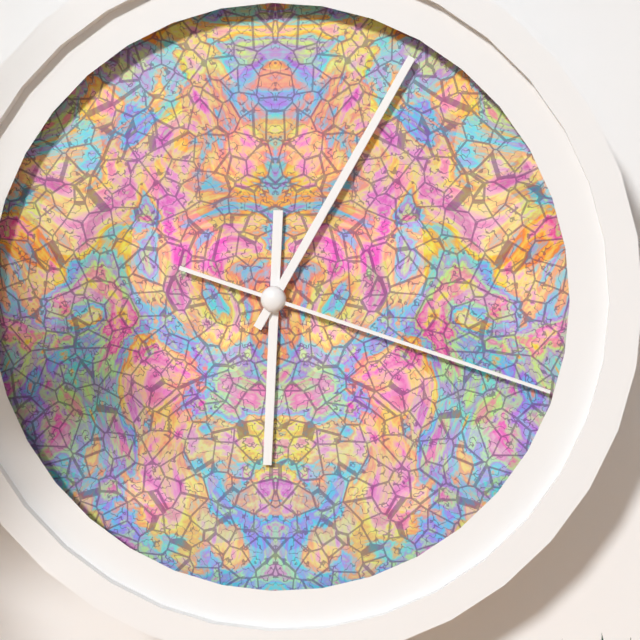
6:05:18
